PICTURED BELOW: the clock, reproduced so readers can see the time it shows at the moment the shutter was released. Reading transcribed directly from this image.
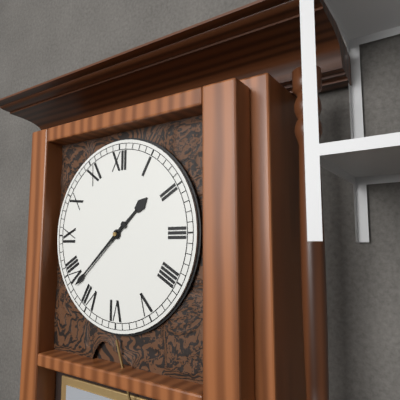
1:38
